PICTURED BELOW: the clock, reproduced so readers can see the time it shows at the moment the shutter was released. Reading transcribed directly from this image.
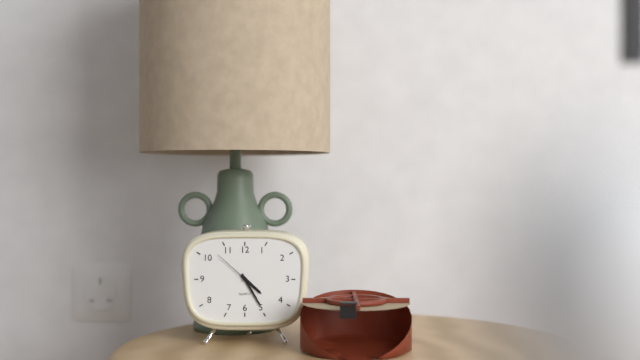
4:25
